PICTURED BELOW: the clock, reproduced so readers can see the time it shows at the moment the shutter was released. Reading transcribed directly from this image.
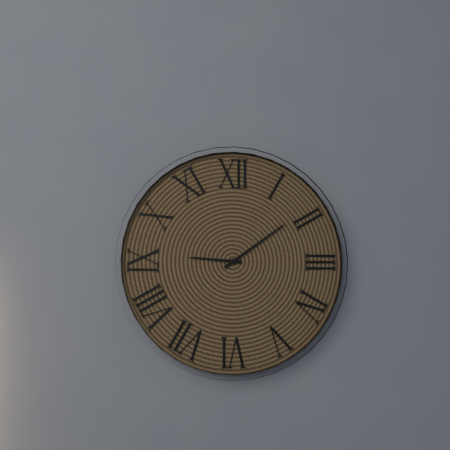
9:09
